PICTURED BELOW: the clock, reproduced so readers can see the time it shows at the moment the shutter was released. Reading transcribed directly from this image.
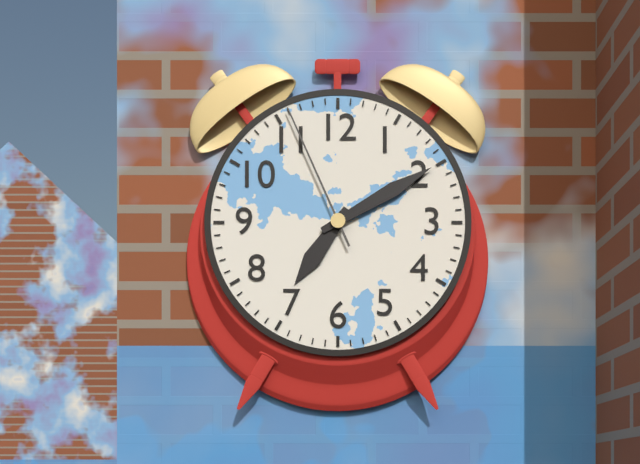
7:10:56
